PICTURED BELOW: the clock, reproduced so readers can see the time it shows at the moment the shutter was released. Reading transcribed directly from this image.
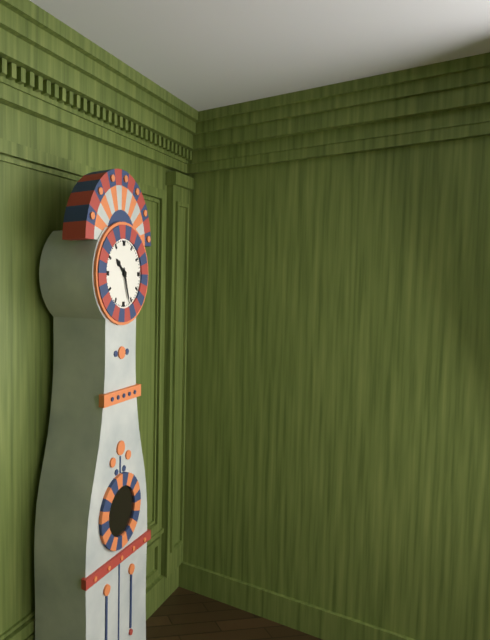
10:27
